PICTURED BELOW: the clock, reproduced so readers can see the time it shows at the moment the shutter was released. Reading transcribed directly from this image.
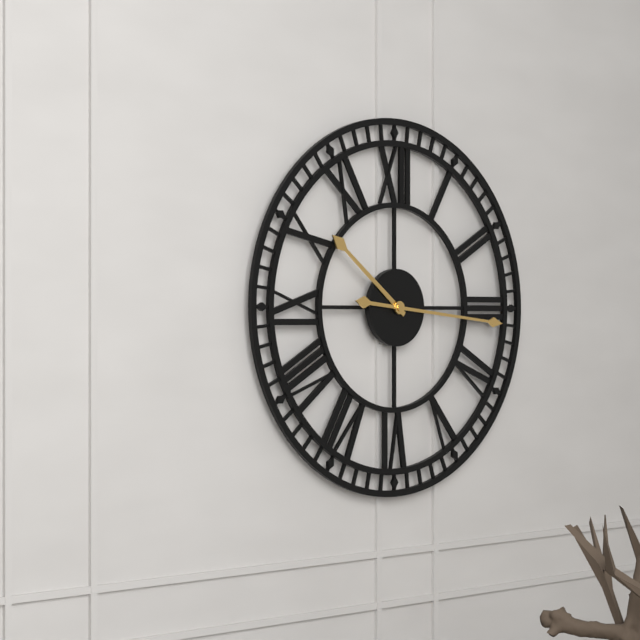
10:16
